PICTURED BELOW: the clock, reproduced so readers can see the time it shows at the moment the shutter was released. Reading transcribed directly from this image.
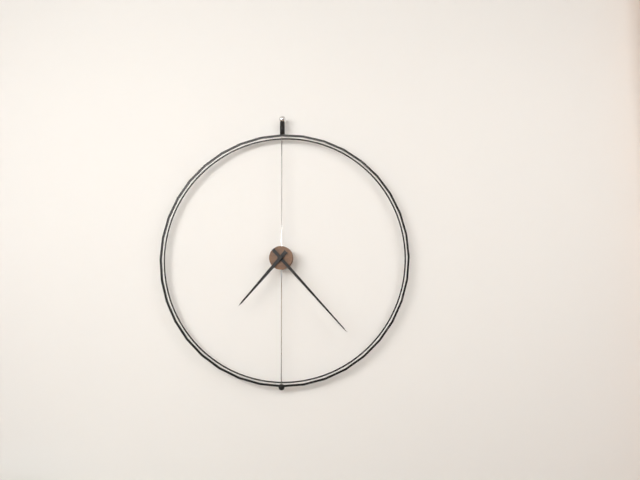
7:23
